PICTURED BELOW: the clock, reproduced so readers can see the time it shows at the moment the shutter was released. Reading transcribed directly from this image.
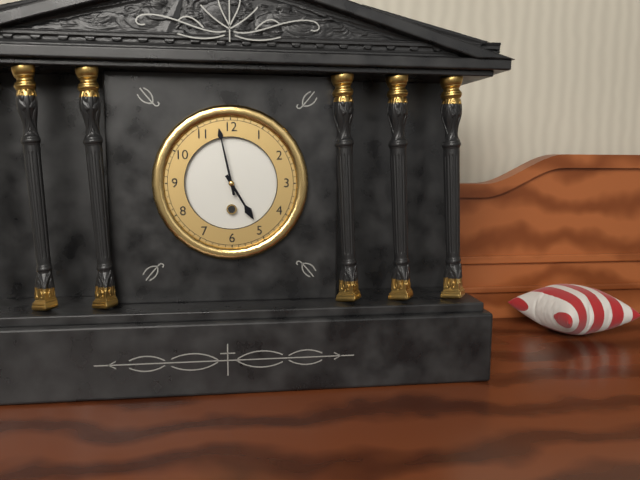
4:58
